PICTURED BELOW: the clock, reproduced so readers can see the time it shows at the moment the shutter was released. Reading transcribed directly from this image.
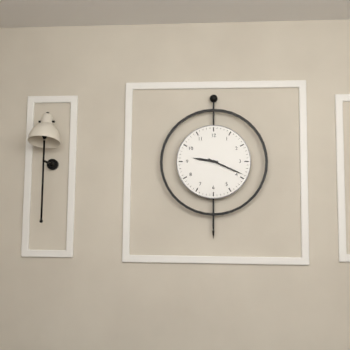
9:19
